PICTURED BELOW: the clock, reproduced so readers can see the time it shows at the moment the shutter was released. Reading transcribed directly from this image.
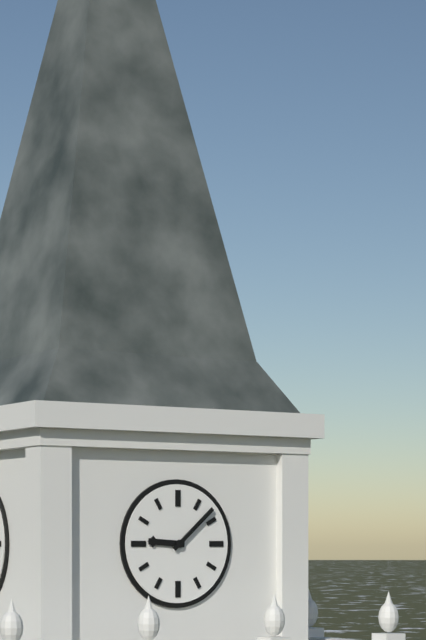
9:08
